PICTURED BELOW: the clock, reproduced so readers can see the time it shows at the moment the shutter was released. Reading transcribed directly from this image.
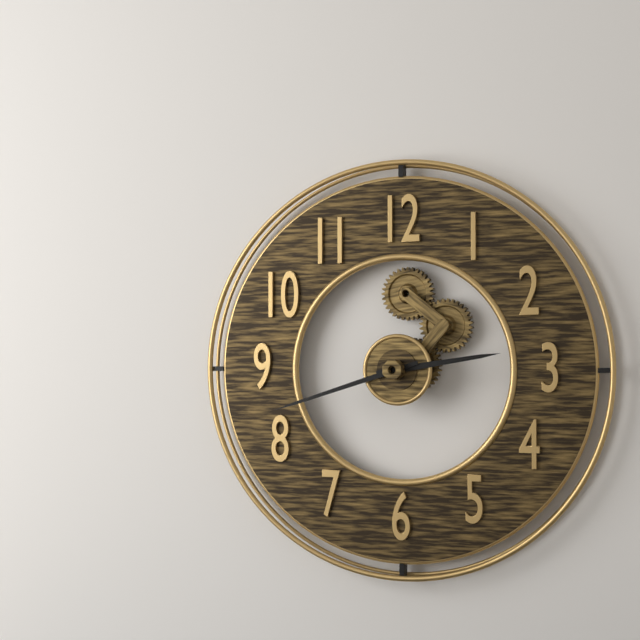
2:42
